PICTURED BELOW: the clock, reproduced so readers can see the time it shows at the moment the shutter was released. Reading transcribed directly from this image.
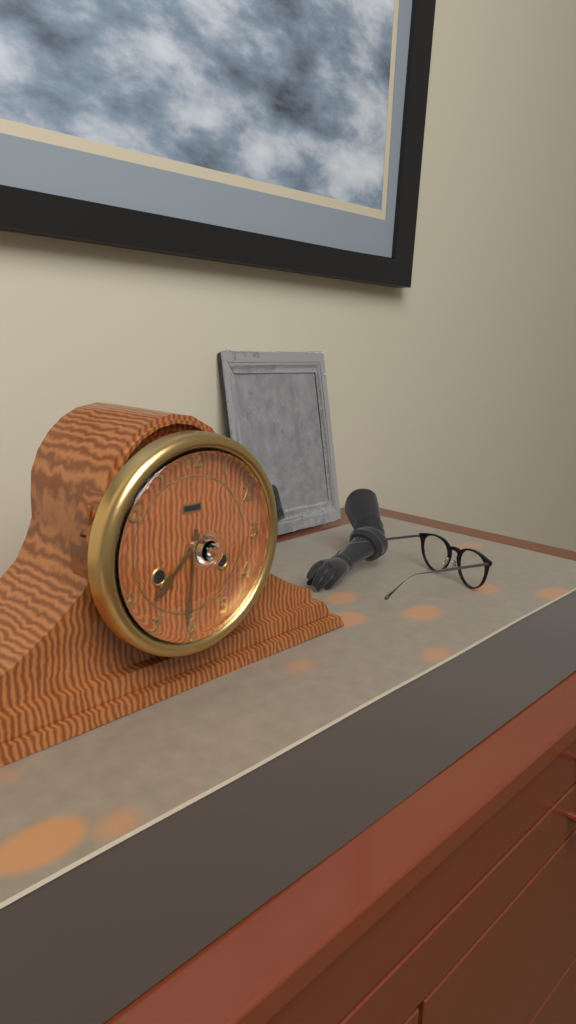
7:31
